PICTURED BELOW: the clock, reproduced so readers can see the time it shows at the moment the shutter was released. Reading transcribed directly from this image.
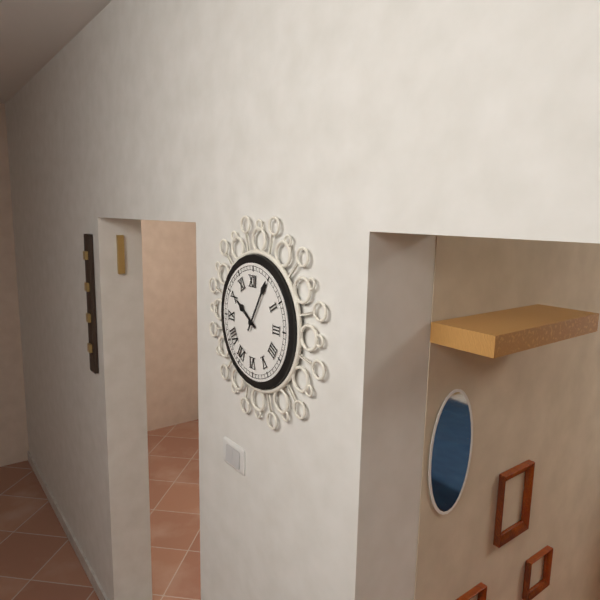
10:05
